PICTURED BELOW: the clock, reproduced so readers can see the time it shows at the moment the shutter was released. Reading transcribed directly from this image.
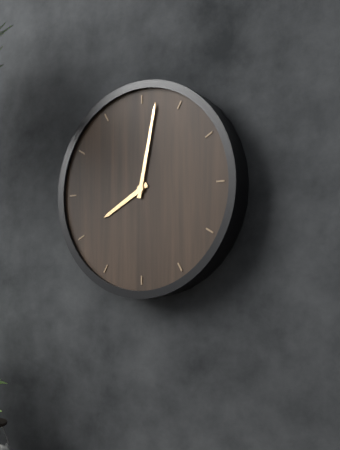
8:02
